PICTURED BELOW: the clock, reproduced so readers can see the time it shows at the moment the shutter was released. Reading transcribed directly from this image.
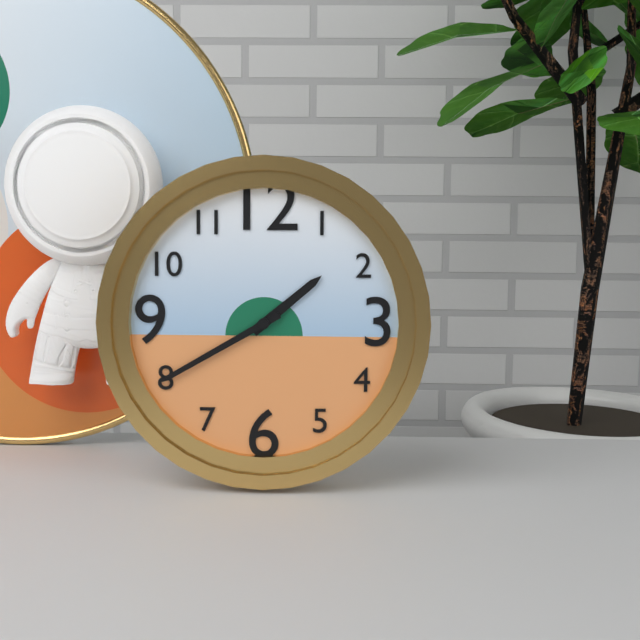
1:40
